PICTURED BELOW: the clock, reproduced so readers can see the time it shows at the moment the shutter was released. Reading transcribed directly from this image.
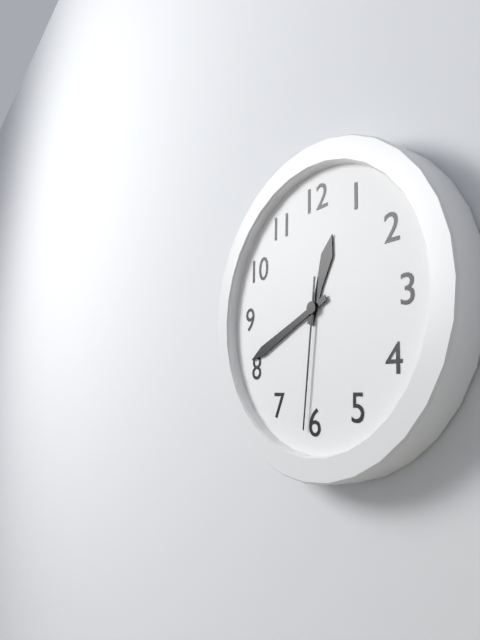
12:41:31
